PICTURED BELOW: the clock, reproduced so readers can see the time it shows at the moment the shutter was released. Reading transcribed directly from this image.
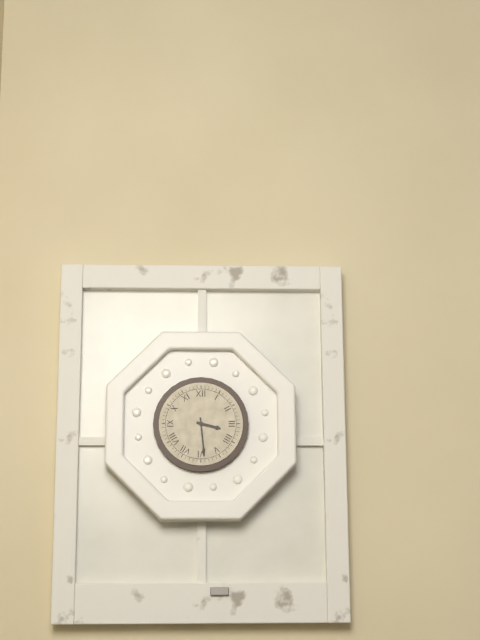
3:29
